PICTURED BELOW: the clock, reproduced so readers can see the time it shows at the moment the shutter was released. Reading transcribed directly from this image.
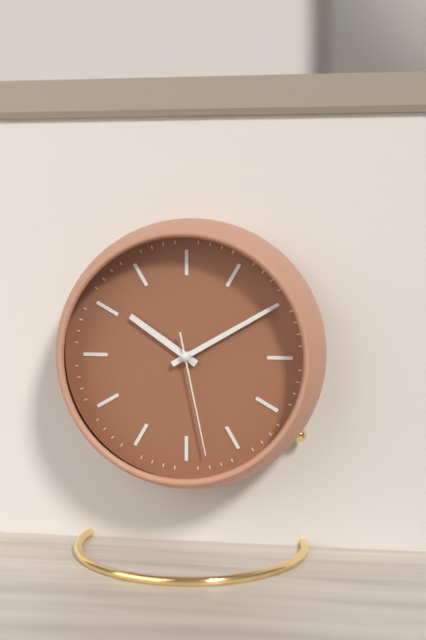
10:10:28
